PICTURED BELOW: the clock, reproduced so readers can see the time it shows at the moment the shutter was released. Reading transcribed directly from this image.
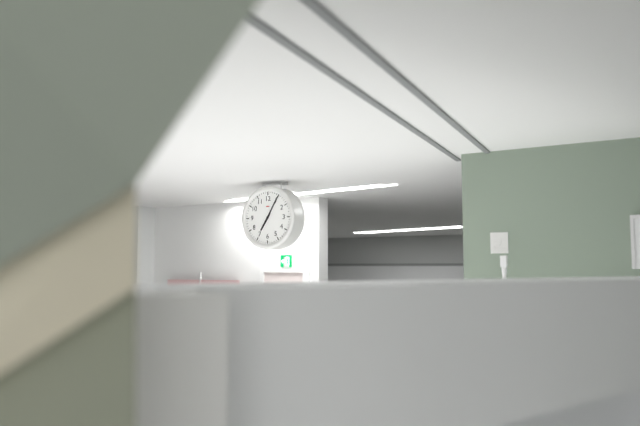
7:05
